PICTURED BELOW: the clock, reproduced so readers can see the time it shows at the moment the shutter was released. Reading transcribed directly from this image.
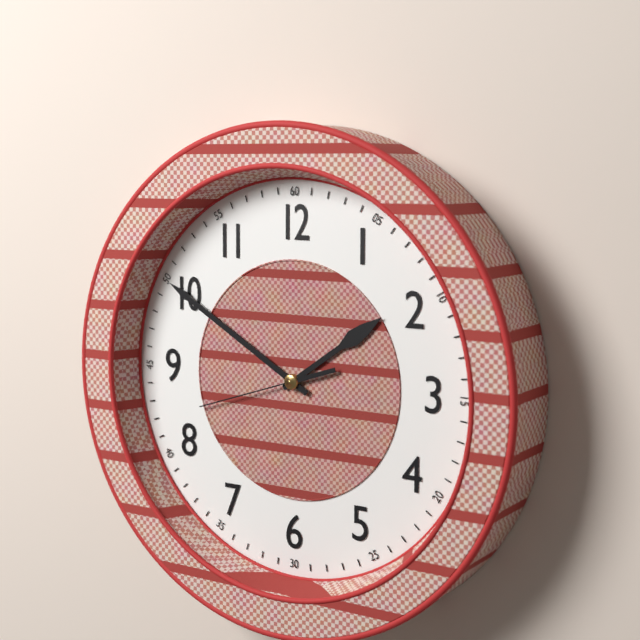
1:50:42
